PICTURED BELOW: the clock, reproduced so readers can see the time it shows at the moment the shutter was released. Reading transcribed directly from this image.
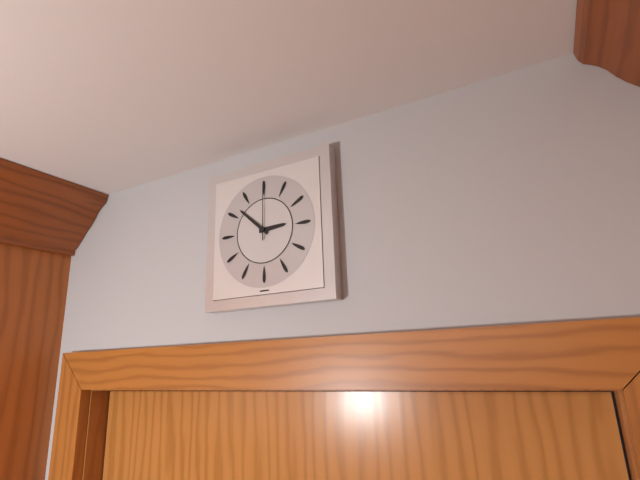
2:52:00
